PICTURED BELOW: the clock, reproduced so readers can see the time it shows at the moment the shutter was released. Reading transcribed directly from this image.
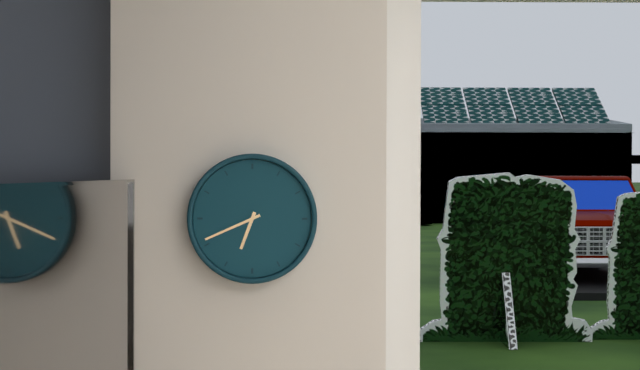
6:41
